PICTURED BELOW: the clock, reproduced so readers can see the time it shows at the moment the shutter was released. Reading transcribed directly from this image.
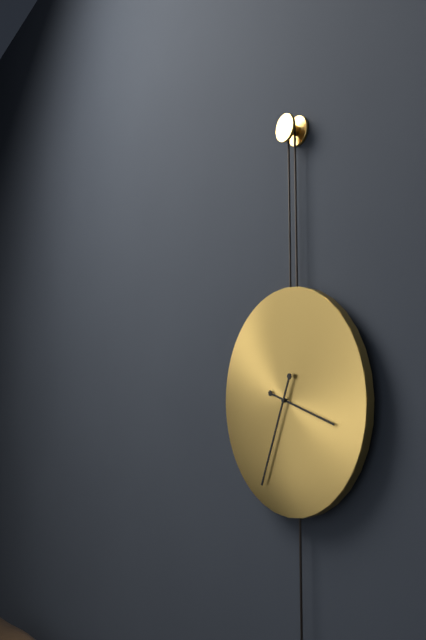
3:34
